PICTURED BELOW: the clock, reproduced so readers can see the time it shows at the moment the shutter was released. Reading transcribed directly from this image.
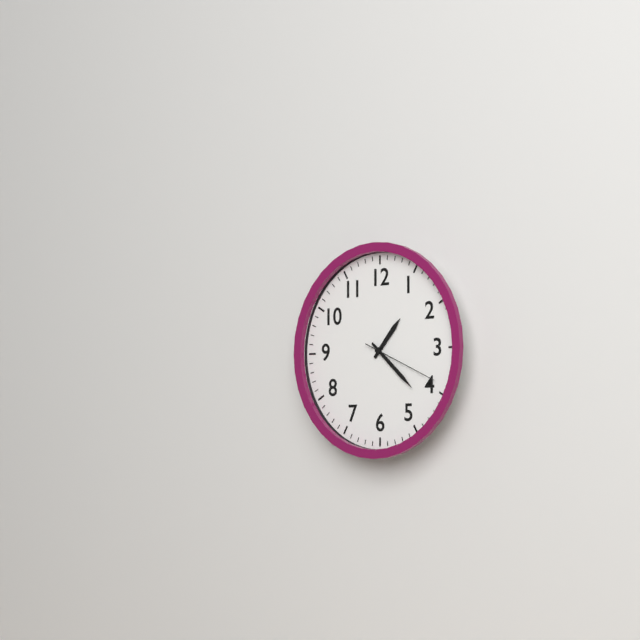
1:22:19
